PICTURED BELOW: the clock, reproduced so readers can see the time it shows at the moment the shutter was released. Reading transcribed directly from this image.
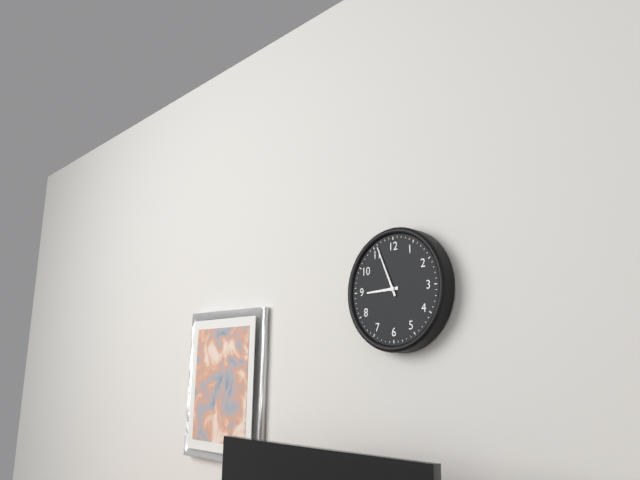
8:56
